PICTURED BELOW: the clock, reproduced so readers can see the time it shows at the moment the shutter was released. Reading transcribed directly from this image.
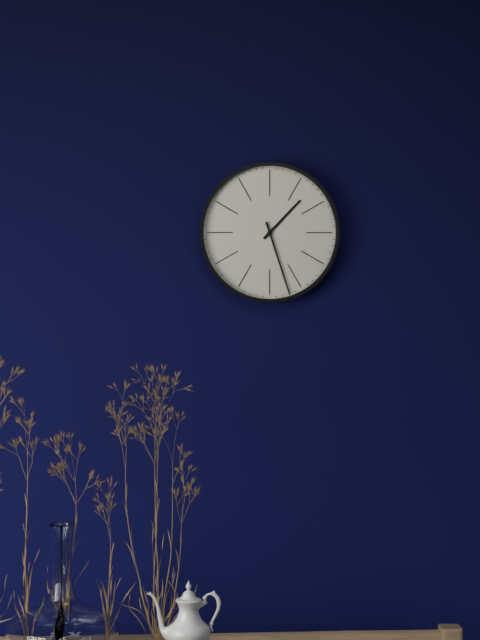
1:27
